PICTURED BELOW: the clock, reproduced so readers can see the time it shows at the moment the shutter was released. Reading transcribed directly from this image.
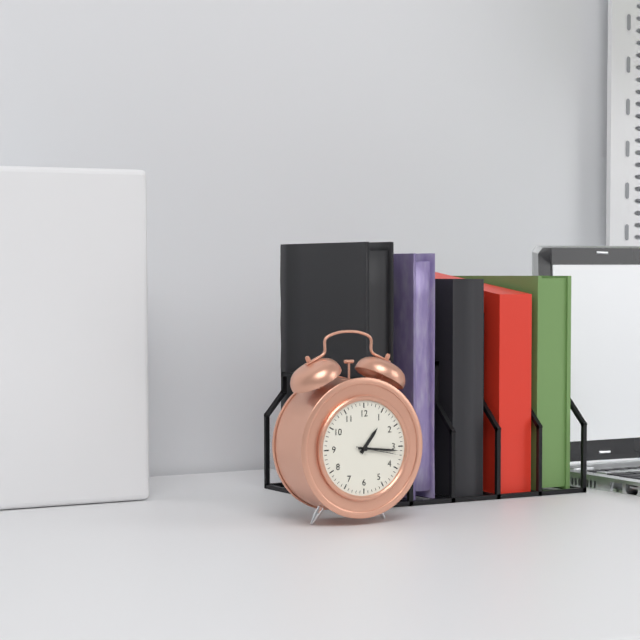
1:16
